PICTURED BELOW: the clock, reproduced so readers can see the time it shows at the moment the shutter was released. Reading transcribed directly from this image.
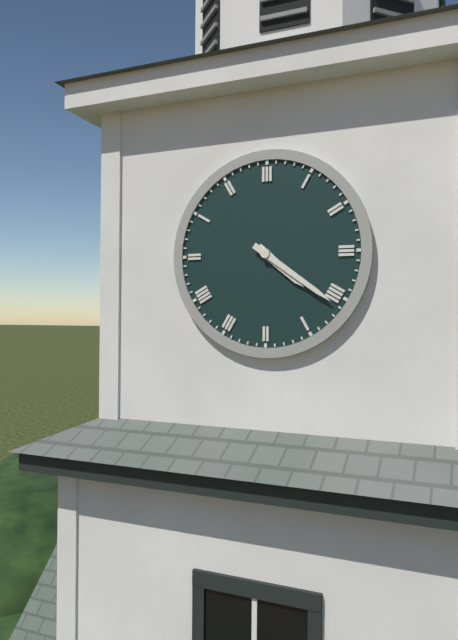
4:21
